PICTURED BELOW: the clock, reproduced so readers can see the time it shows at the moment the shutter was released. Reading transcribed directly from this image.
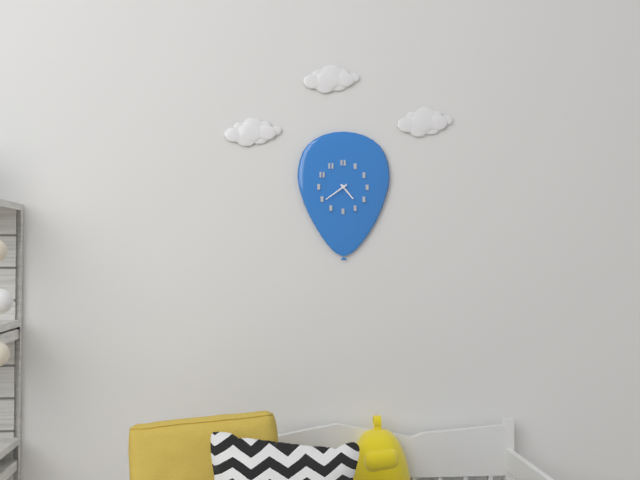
4:39
